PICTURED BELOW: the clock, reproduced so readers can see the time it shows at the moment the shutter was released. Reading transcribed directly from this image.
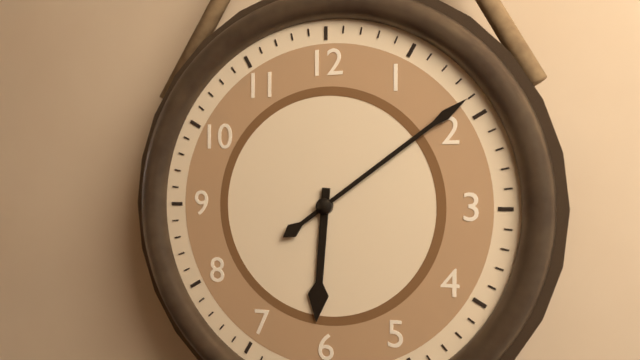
6:09
